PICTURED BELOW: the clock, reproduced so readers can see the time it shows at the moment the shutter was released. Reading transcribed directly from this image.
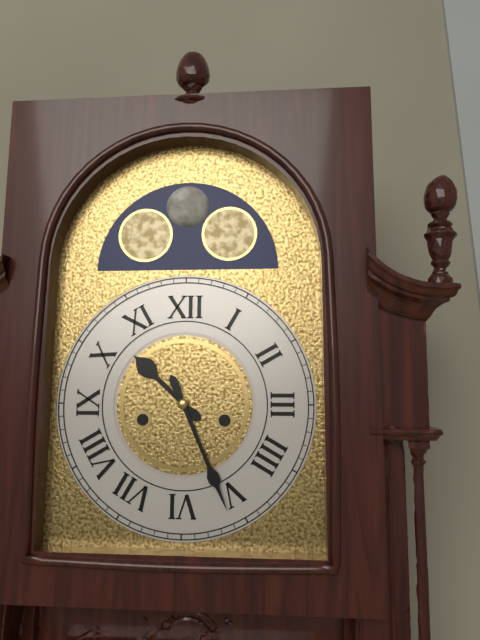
10:26
